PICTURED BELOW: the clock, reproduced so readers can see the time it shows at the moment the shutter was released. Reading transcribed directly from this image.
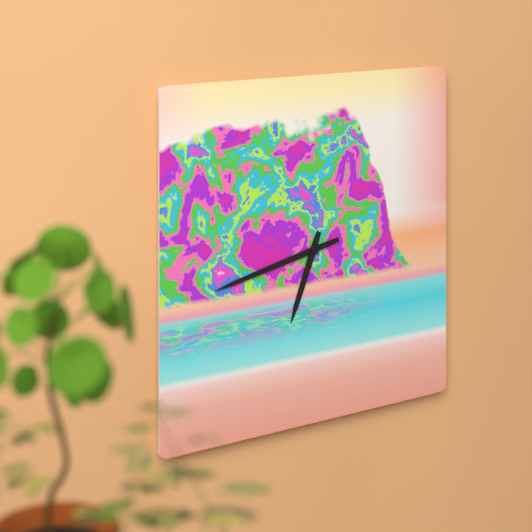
6:43
